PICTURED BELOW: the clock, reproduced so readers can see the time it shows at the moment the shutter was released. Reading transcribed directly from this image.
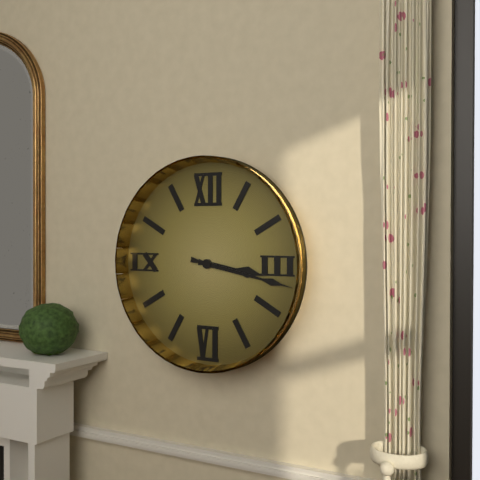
3:17
